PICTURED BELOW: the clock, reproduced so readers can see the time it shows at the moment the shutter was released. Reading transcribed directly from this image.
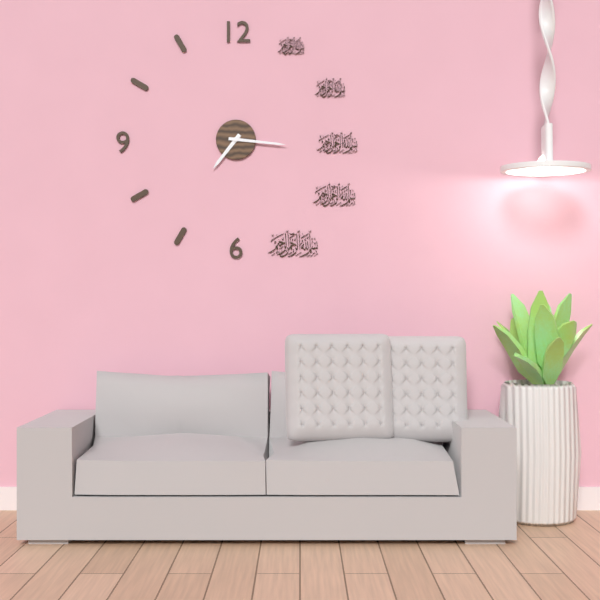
7:16
